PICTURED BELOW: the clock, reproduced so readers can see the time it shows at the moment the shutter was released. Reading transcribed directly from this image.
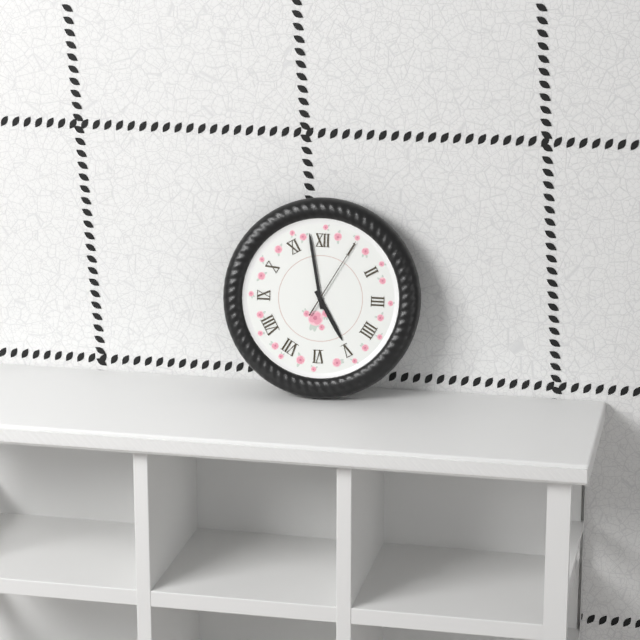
4:58:05
